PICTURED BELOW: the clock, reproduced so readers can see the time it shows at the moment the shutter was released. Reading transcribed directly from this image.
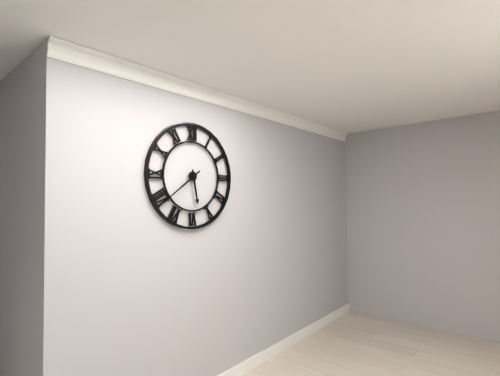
5:39
